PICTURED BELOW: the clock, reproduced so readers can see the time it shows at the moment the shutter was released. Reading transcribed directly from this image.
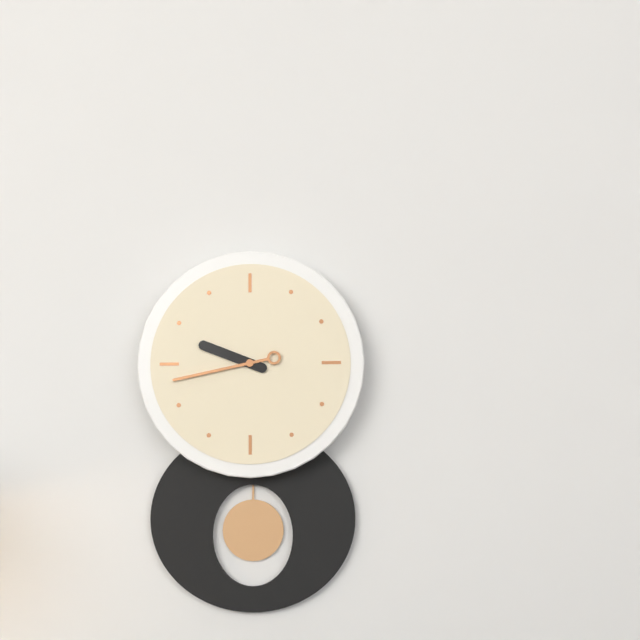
9:43
